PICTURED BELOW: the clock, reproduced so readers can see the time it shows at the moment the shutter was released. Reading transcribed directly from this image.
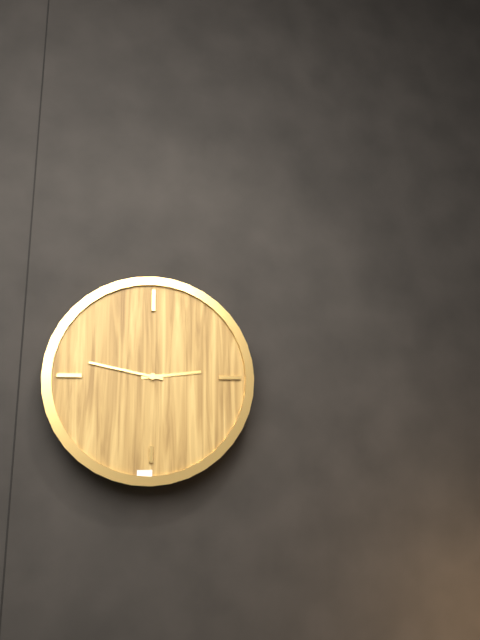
2:47
